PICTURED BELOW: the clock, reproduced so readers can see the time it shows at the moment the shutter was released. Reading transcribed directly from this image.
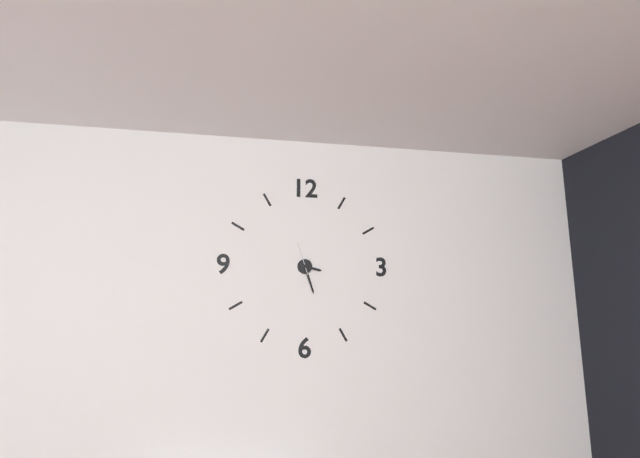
3:27
